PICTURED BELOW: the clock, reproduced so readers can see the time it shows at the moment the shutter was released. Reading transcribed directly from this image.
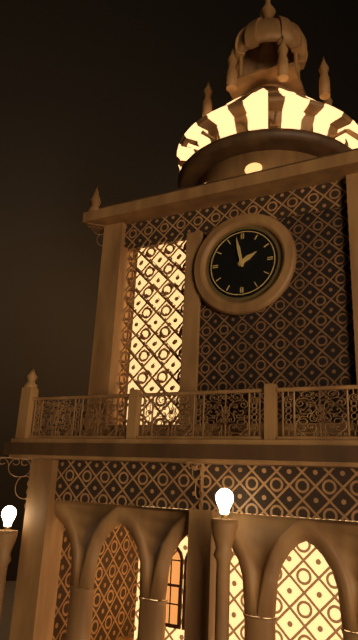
1:58
